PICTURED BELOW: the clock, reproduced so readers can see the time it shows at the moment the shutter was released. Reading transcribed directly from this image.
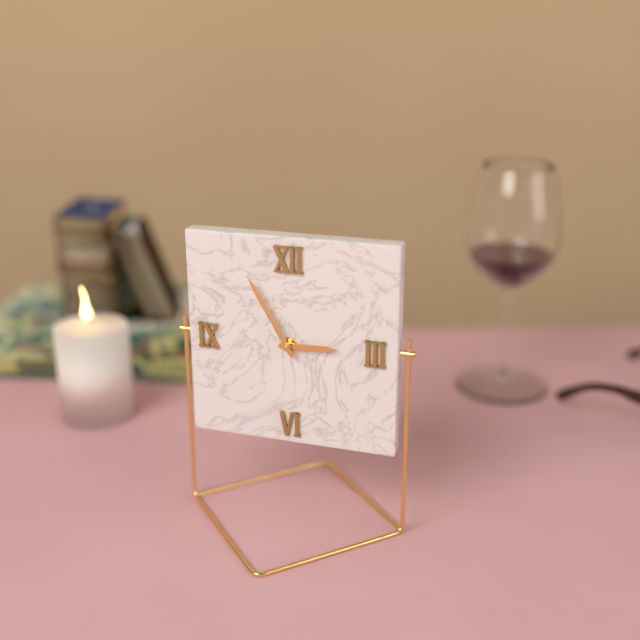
2:55
